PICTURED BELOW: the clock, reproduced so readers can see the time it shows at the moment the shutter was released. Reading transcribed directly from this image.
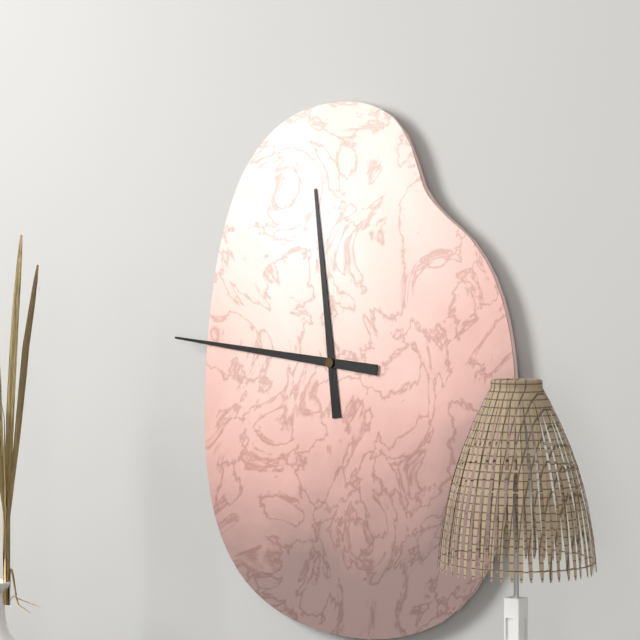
11:46
